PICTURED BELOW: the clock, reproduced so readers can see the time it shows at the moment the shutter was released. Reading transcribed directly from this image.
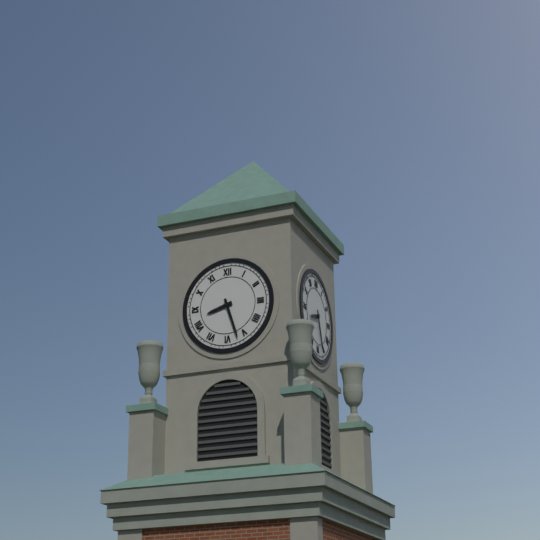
8:27
